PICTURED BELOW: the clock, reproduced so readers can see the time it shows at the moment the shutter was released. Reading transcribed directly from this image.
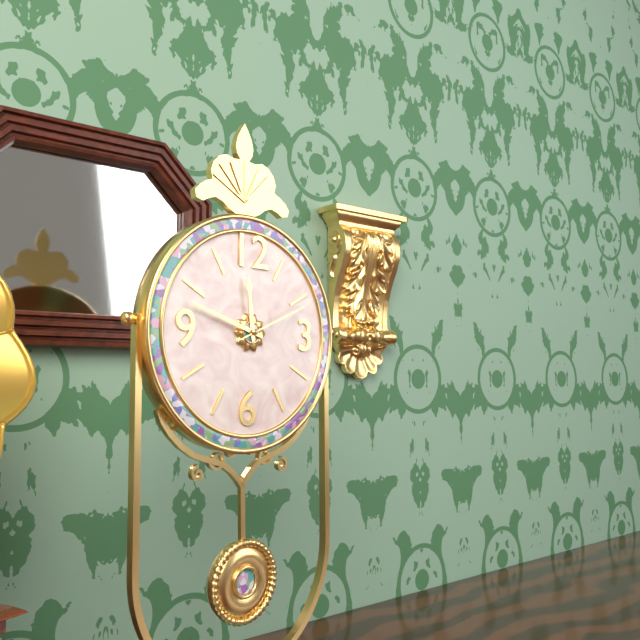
11:48:11
